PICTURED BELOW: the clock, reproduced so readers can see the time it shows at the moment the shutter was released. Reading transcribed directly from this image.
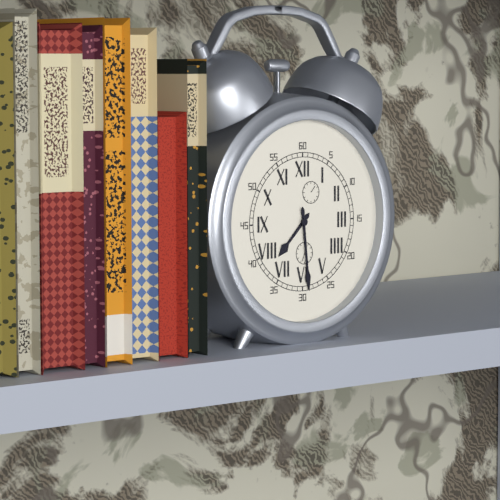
7:29
